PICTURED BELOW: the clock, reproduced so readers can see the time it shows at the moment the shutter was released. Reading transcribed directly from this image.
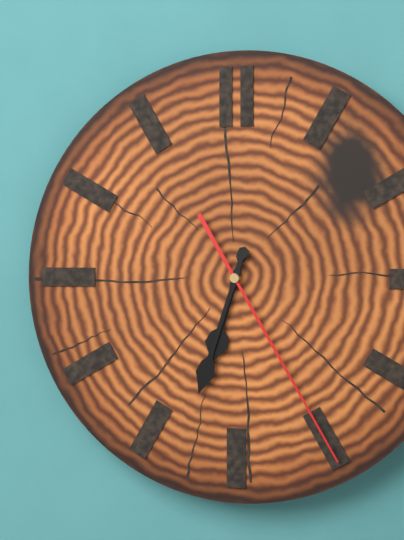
6:33:25
